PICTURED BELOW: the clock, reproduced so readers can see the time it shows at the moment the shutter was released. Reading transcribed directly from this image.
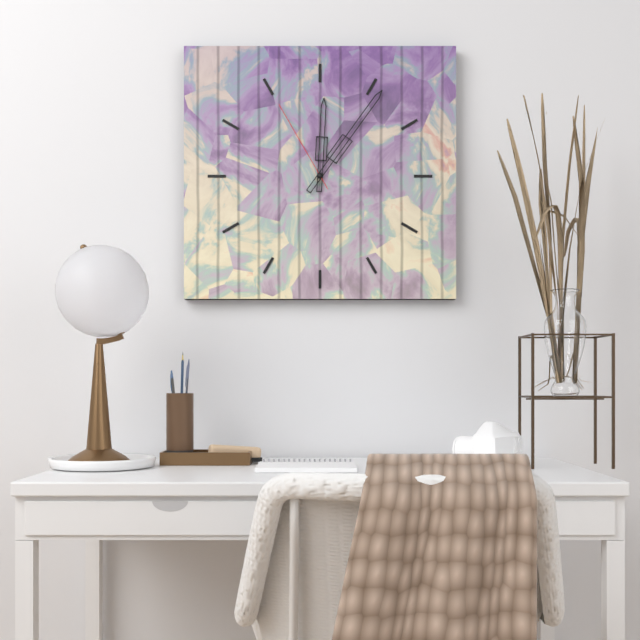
12:06:55
